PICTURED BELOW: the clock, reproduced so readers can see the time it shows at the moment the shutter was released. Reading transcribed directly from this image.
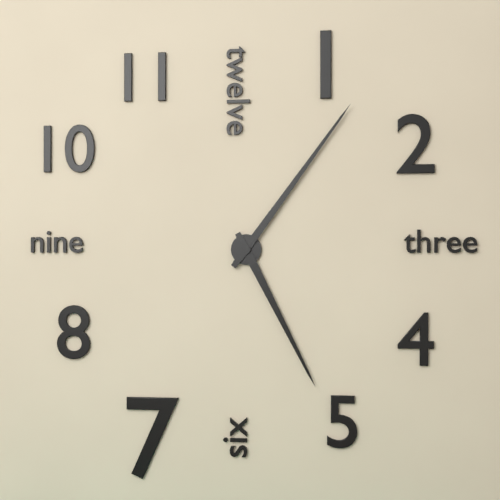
5:06
